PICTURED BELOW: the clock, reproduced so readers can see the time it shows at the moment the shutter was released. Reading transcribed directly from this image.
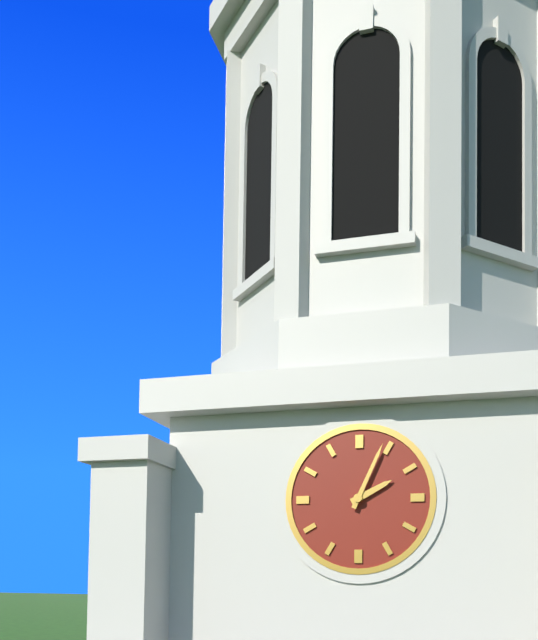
2:04
